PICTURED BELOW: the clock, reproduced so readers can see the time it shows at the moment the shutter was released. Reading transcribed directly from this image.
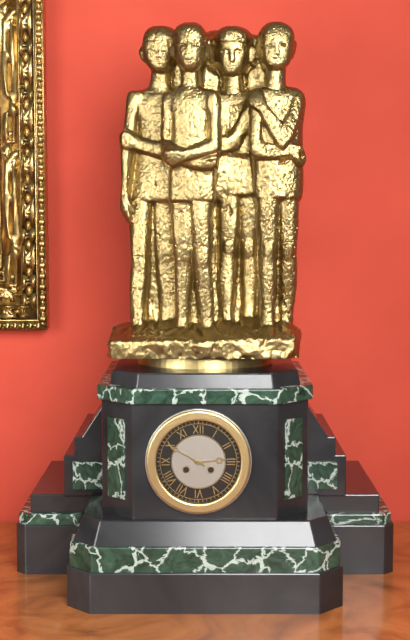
2:50
